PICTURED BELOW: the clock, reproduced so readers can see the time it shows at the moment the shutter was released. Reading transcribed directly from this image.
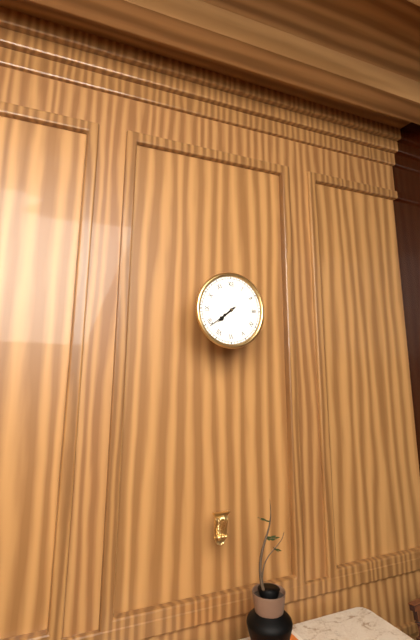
7:39
